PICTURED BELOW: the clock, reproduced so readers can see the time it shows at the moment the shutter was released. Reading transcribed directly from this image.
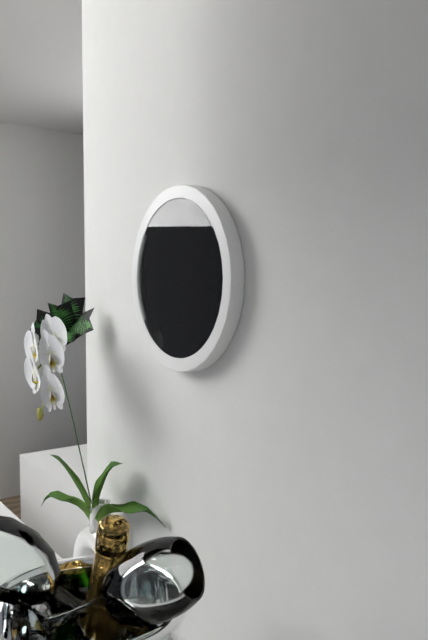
8:04
